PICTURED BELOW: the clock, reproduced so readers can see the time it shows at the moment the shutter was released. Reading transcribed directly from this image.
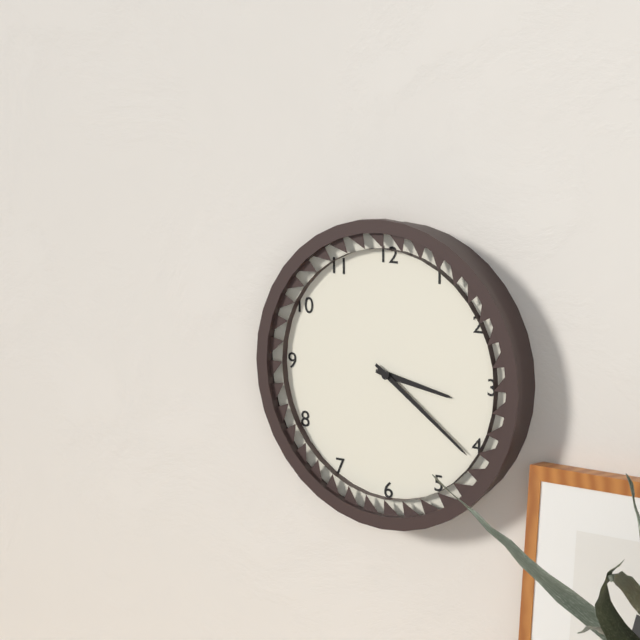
3:21
